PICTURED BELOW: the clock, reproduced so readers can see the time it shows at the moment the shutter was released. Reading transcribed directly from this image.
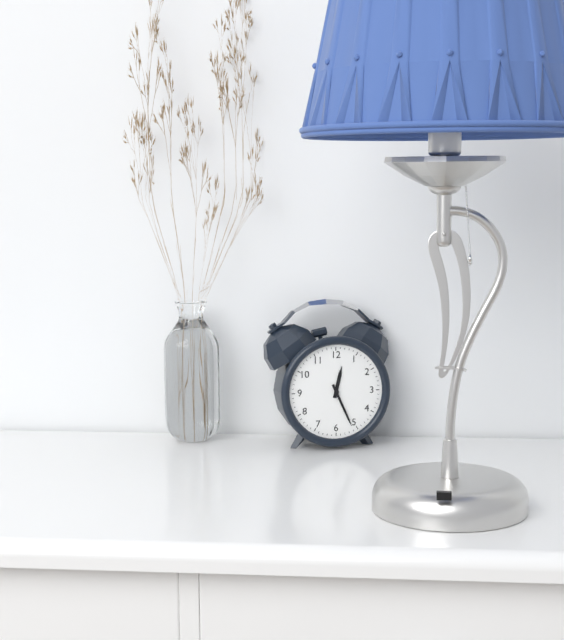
12:26
